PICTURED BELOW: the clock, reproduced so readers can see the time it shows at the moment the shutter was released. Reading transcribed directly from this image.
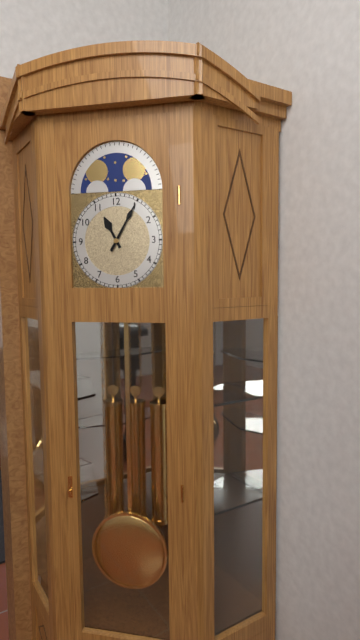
11:05
